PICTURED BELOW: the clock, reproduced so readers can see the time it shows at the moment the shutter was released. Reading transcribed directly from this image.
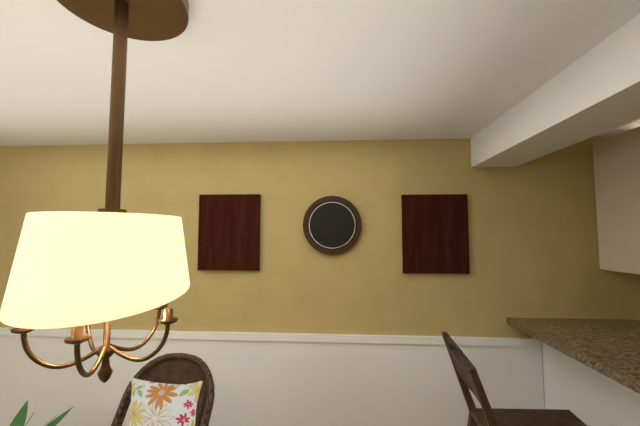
10:40
